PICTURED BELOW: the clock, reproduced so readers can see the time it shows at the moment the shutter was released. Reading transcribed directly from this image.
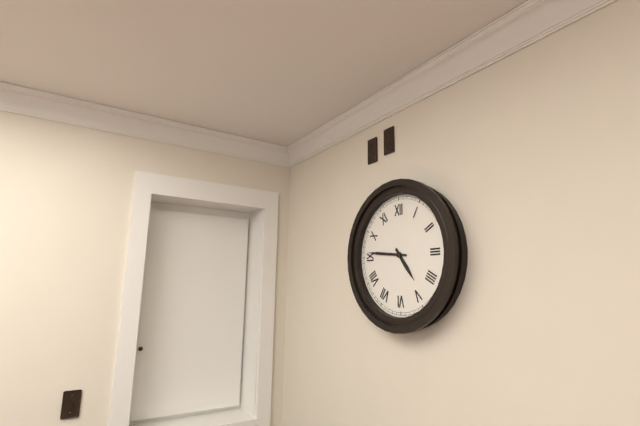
4:46
